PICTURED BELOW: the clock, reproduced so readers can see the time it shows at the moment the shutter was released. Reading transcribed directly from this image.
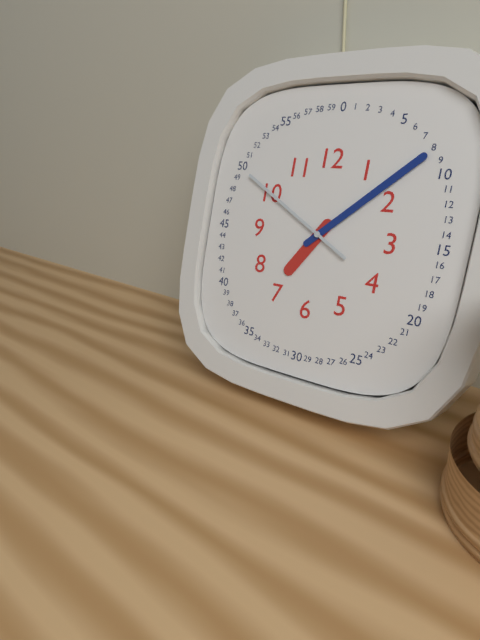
7:08:50
